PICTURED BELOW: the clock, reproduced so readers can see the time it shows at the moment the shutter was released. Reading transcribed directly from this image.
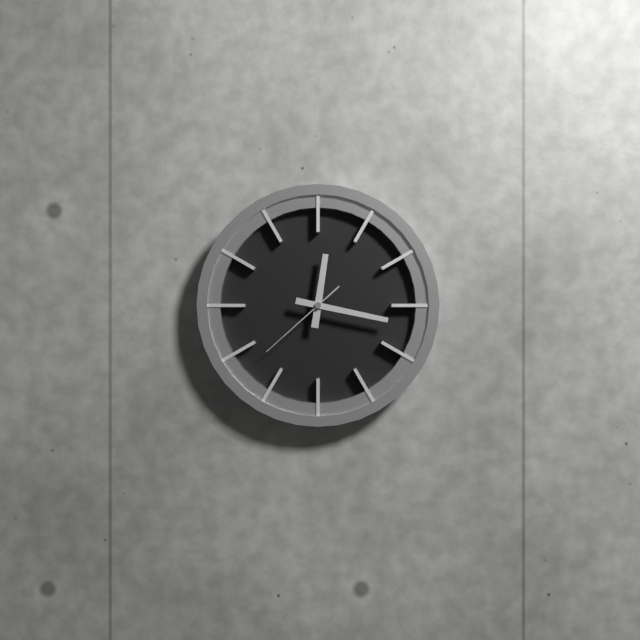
12:17:38
